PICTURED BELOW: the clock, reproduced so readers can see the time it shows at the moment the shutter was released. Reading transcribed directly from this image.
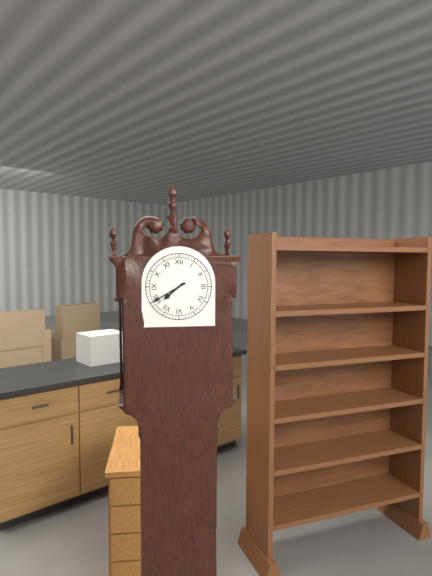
7:40
